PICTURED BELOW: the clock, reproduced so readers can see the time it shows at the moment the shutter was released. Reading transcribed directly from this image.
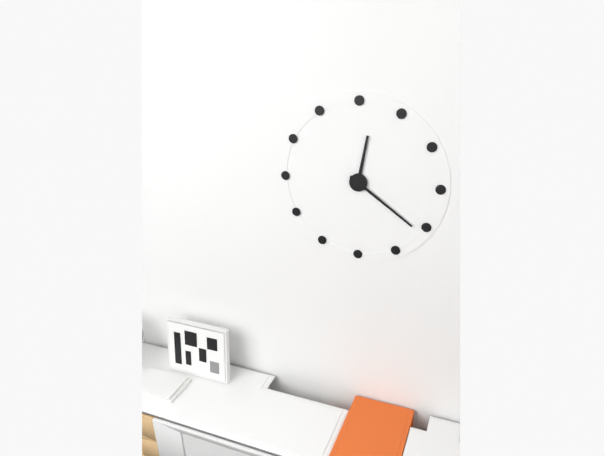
12:21
